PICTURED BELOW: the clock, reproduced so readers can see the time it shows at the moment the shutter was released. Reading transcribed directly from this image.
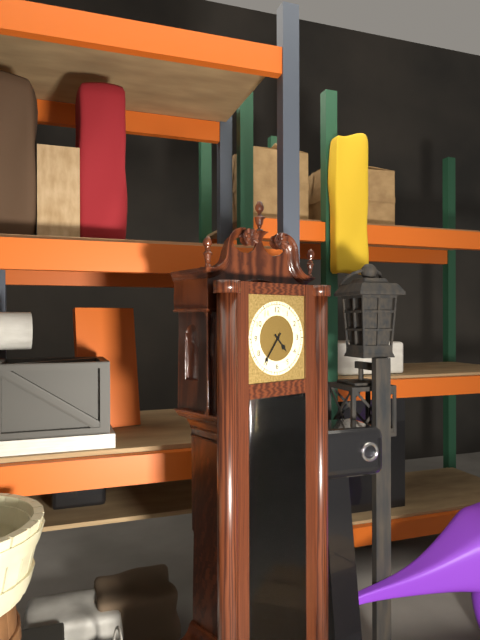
4:36
